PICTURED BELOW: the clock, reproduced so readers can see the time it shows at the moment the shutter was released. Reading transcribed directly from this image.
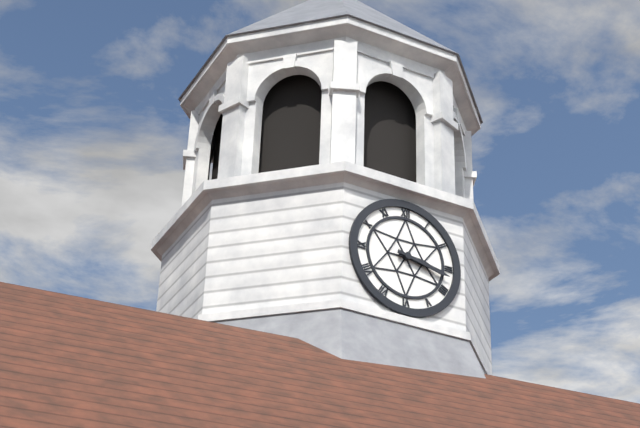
3:17
